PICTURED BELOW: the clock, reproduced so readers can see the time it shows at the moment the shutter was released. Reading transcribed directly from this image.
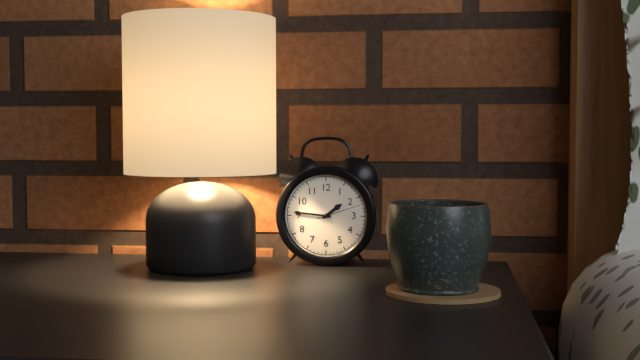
1:46
